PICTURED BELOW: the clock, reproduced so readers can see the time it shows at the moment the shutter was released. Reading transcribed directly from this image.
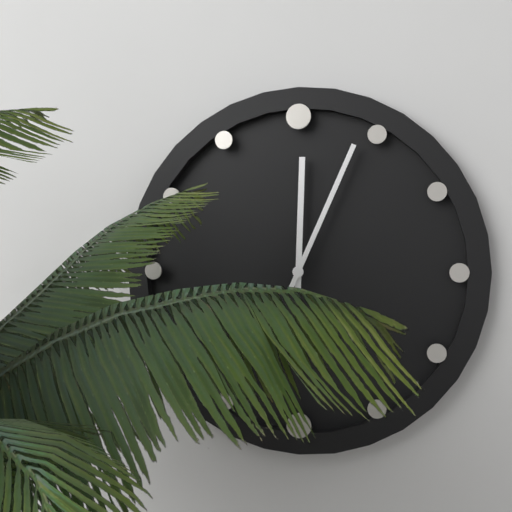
12:04
